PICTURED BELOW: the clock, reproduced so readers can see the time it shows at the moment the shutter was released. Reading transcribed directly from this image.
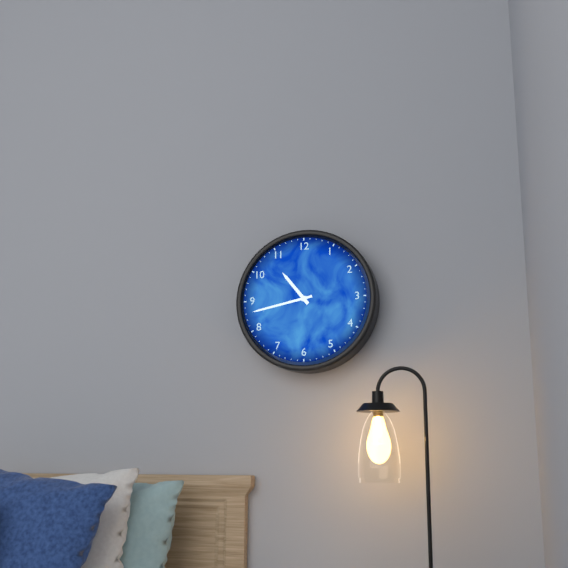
10:43
